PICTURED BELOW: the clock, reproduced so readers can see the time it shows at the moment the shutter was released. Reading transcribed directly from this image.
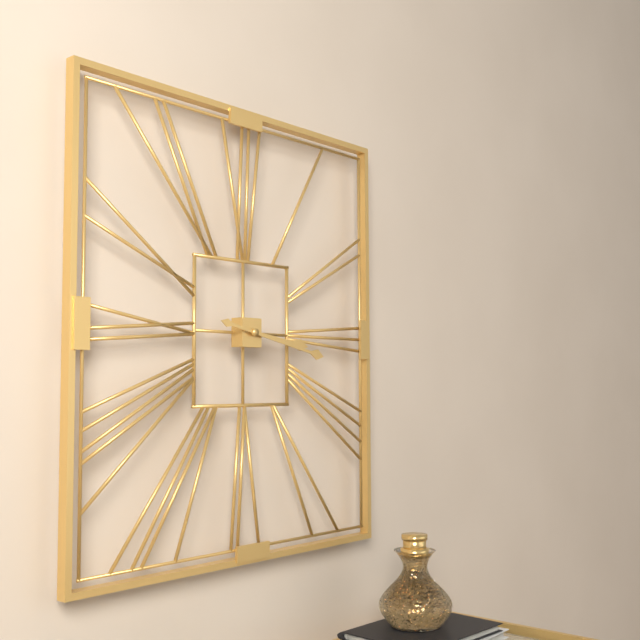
3:17
